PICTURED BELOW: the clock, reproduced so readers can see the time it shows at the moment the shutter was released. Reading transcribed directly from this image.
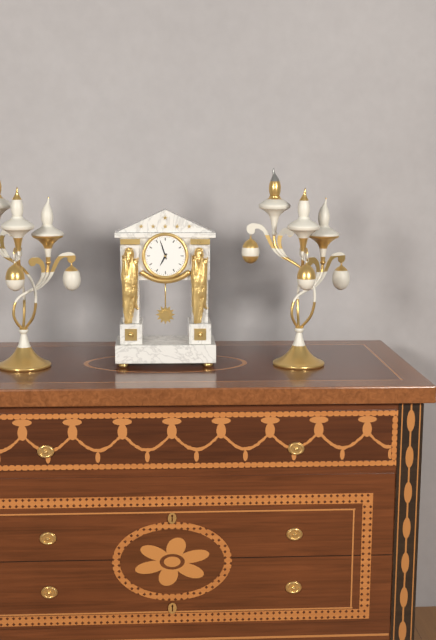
6:57
